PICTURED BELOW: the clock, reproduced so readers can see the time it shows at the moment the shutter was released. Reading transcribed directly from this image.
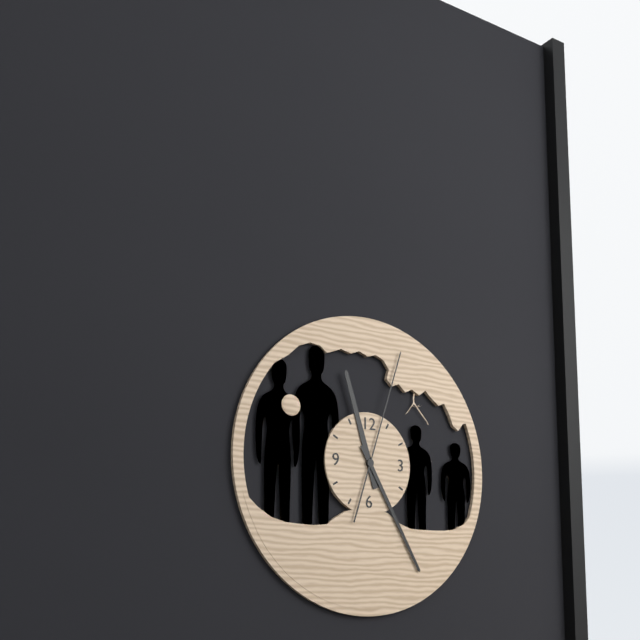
11:25:03
